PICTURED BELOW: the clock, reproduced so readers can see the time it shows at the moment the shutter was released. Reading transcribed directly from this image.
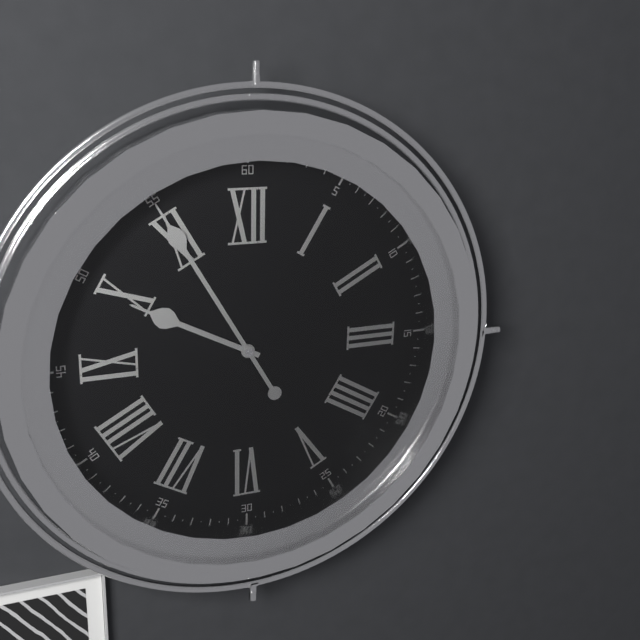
9:55
